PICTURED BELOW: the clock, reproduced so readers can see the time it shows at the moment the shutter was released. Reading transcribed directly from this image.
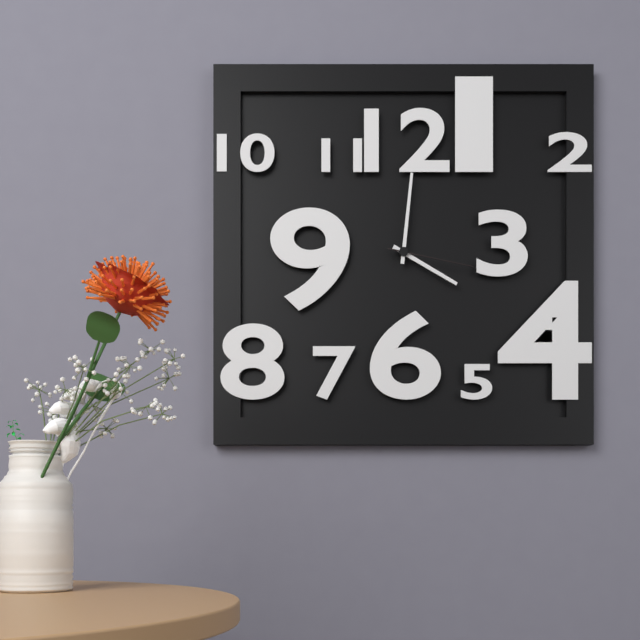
4:01:17
